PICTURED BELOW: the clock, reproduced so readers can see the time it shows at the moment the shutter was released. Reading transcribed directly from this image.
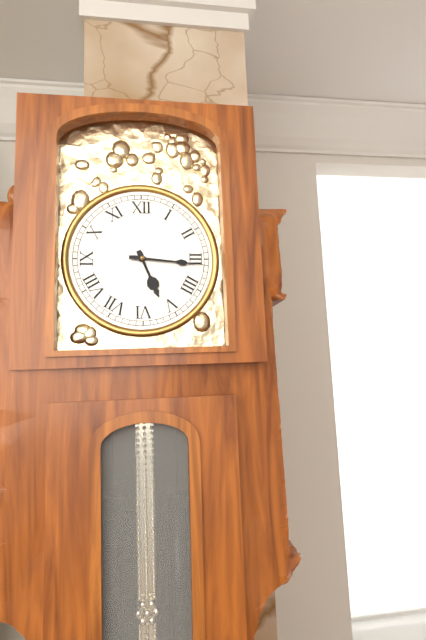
5:16
